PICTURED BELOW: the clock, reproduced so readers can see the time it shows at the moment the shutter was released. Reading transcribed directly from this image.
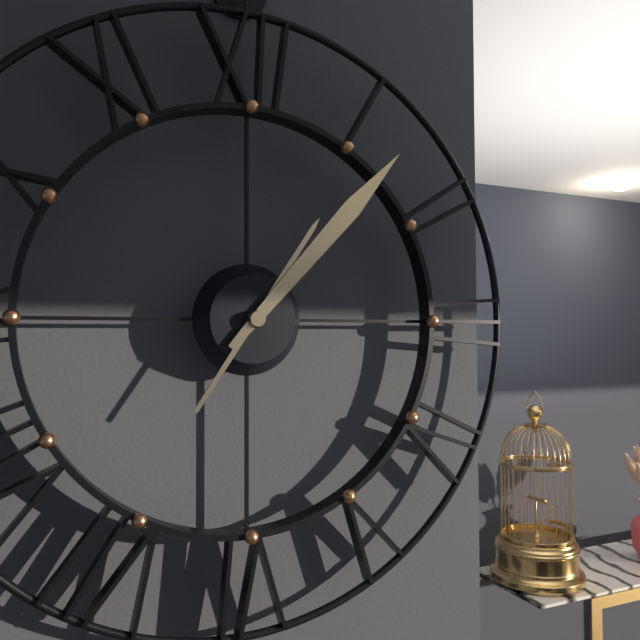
1:07
